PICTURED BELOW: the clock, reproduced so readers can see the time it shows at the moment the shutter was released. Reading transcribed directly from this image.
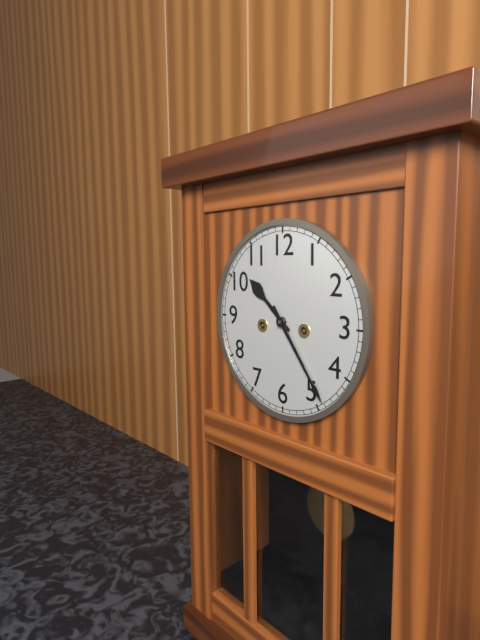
10:24
